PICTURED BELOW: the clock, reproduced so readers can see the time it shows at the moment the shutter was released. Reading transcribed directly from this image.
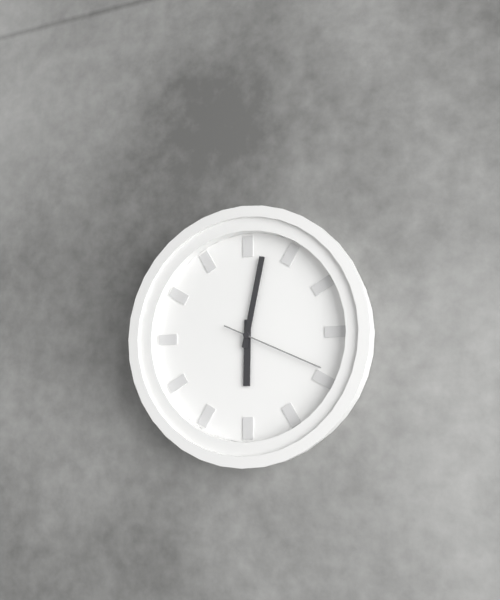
6:02:19
